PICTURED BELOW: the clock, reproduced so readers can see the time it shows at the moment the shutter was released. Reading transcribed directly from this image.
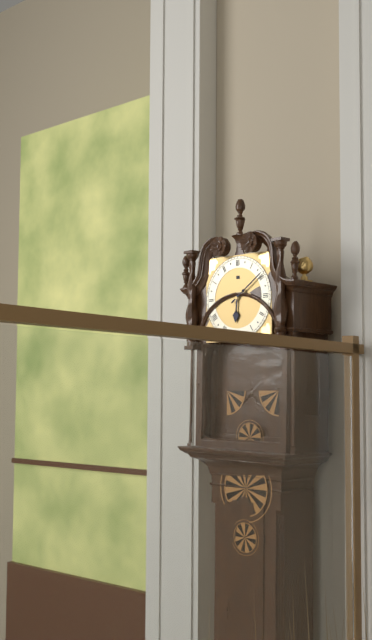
6:09
